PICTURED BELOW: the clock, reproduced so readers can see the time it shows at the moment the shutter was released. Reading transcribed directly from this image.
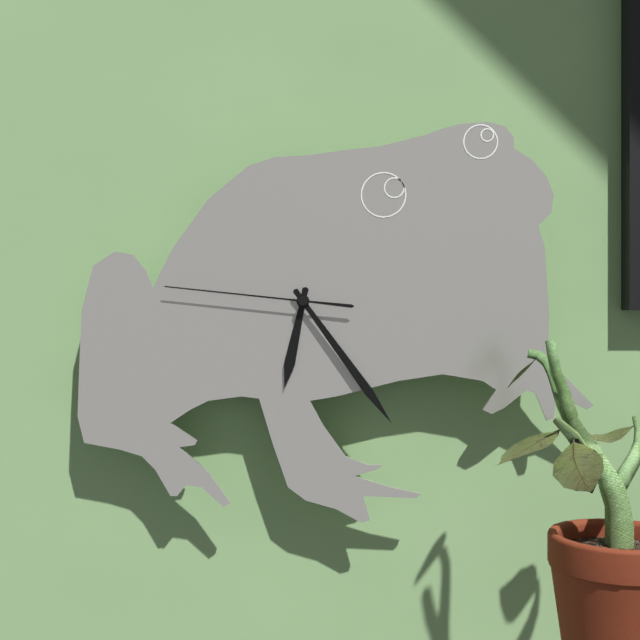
6:24:46
